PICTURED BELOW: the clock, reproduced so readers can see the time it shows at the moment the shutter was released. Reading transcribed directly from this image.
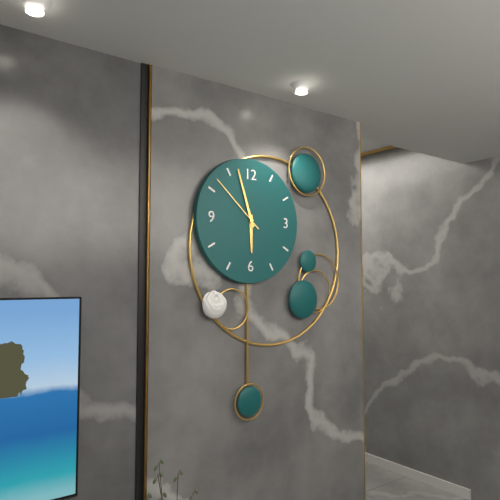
5:57:52
